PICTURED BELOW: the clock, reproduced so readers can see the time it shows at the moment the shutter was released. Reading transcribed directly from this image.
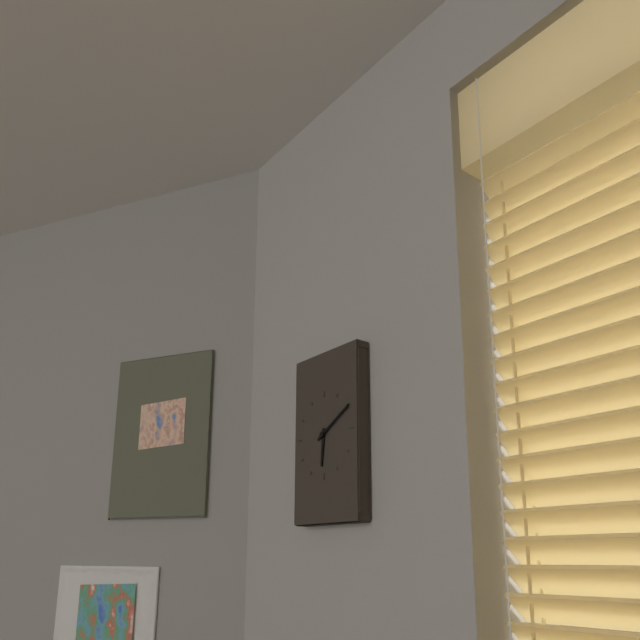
6:10
